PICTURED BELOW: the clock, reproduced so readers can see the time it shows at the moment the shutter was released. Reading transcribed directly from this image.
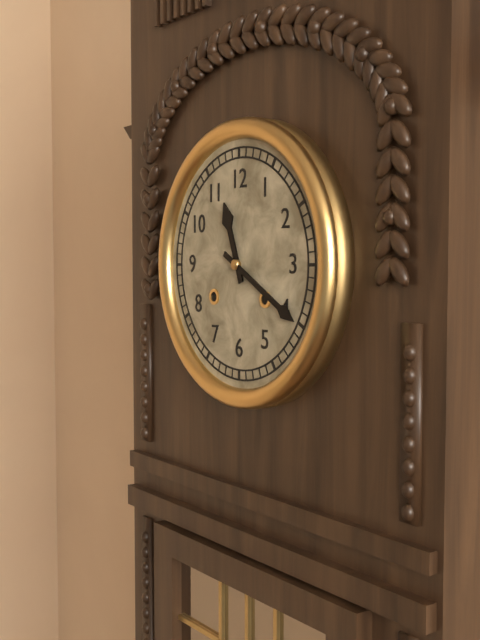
11:20
